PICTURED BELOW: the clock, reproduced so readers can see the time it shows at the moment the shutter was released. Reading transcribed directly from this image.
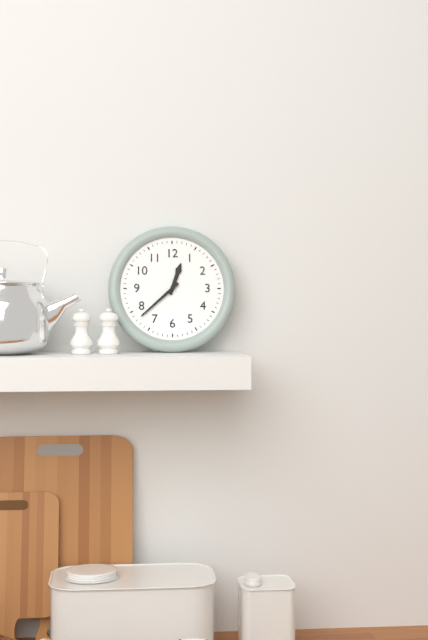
12:38
